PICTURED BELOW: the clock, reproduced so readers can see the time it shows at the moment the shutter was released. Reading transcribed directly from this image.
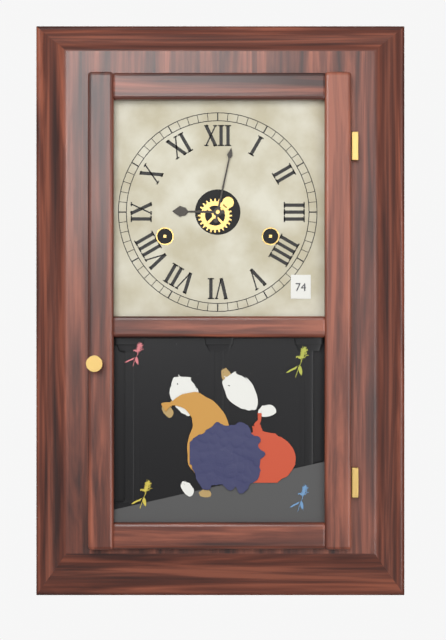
9:02
